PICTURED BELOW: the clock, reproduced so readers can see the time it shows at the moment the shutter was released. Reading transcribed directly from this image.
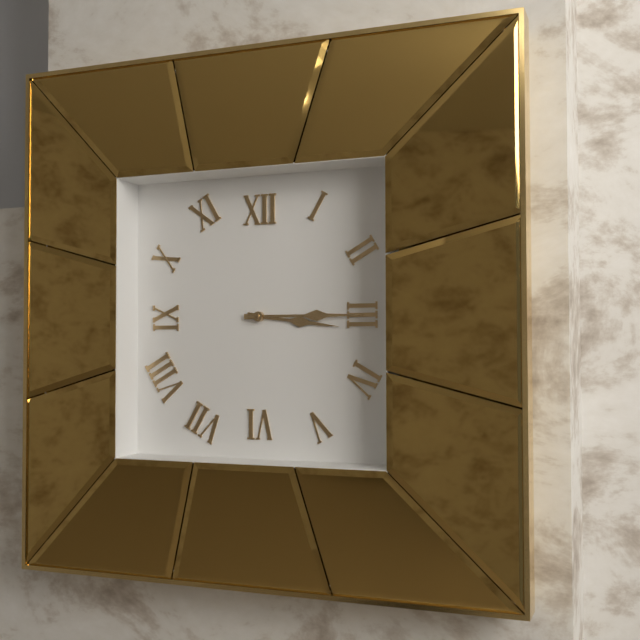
3:15
